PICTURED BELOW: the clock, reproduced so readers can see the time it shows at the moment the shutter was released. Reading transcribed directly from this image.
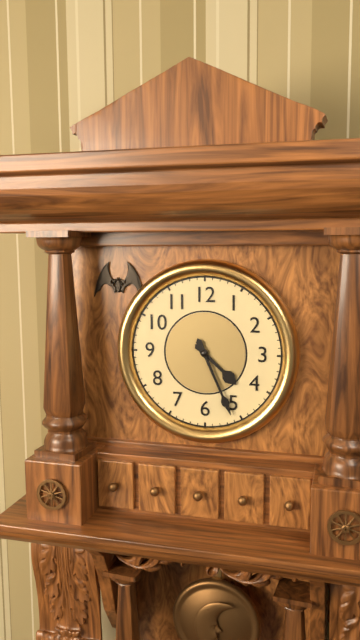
4:26
